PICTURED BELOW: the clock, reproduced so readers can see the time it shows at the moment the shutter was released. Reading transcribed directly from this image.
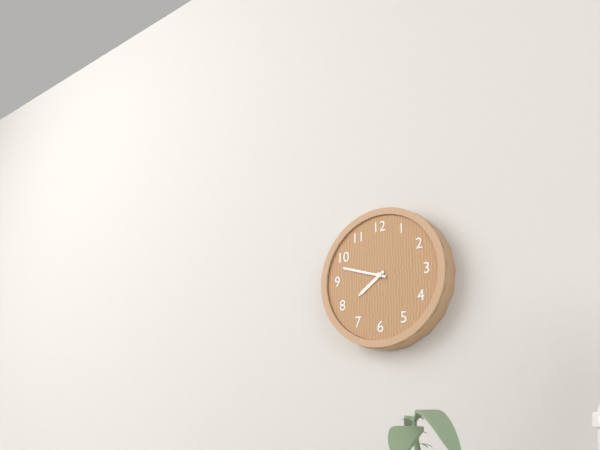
7:48
